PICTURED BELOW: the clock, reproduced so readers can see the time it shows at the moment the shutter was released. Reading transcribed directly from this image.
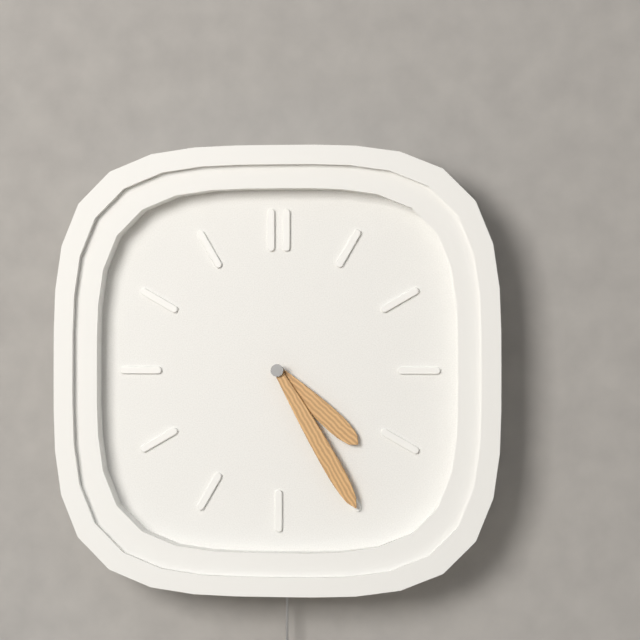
4:25
